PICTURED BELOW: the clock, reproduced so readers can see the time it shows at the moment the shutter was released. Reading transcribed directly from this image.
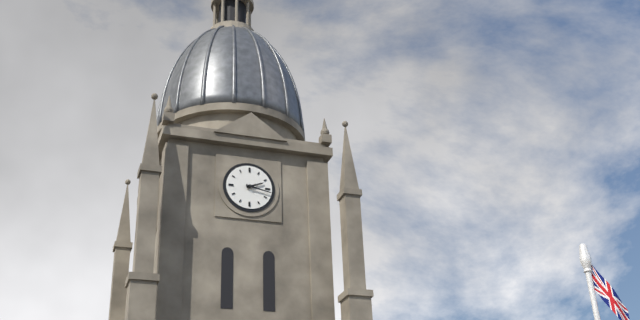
2:17
